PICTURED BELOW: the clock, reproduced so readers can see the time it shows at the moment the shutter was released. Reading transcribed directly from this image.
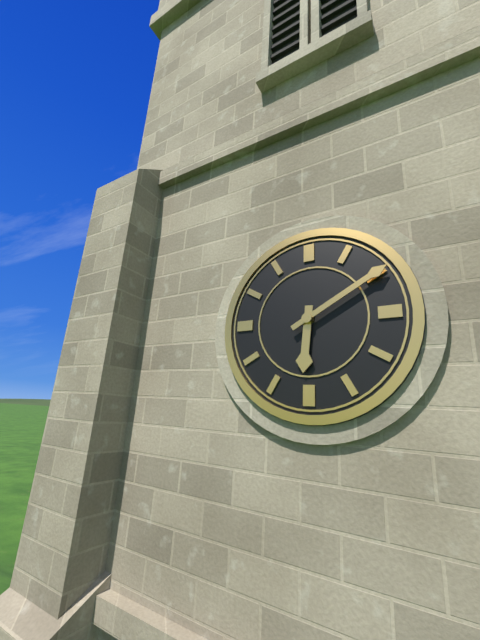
6:10
